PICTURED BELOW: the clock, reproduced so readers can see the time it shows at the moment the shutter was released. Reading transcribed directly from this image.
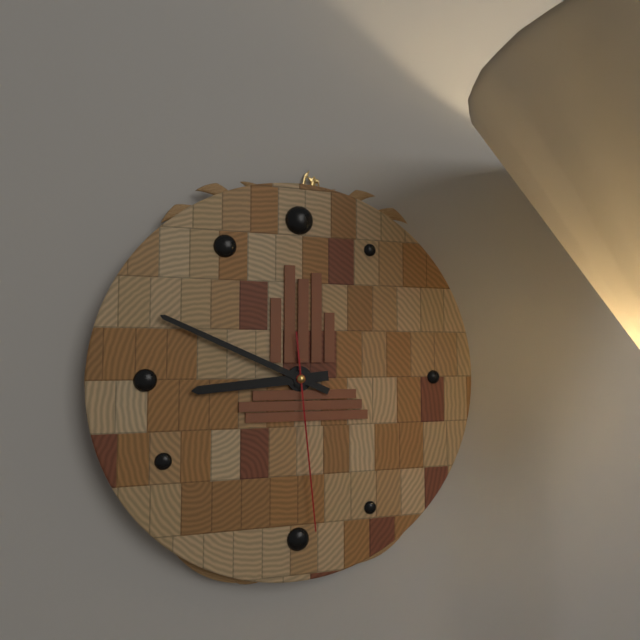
8:49:29
